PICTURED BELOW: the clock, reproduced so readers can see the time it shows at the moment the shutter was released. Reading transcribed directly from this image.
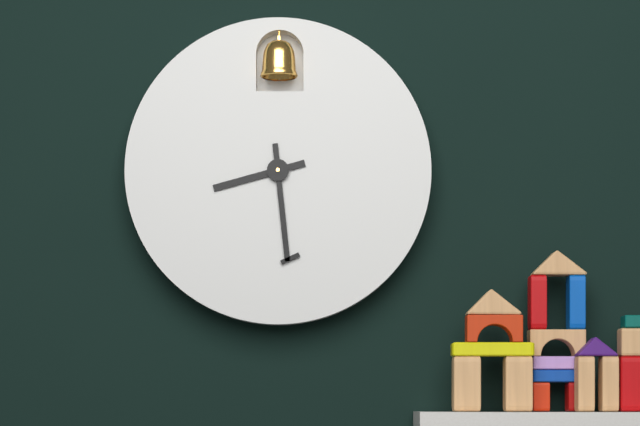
8:29
